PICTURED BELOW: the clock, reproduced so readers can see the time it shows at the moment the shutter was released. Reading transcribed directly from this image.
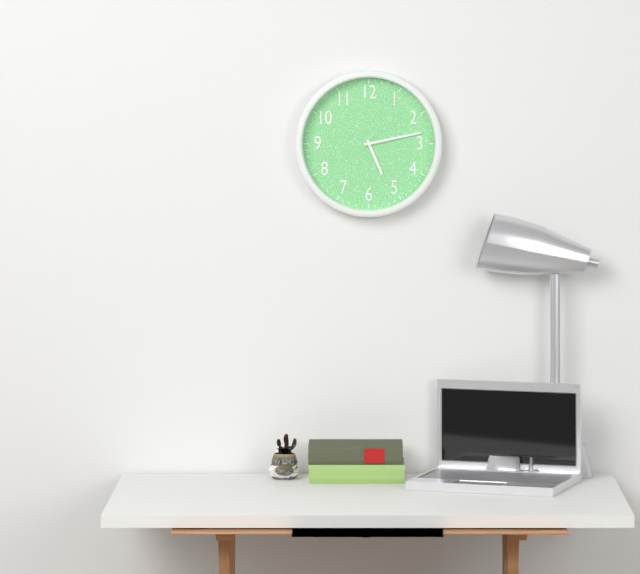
5:13
